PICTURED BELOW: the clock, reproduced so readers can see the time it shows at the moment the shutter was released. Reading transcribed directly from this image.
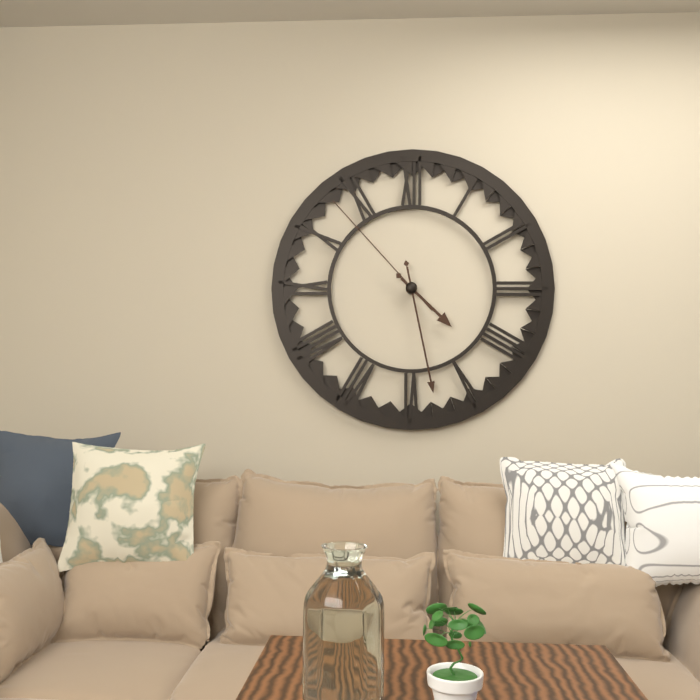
4:28:53
